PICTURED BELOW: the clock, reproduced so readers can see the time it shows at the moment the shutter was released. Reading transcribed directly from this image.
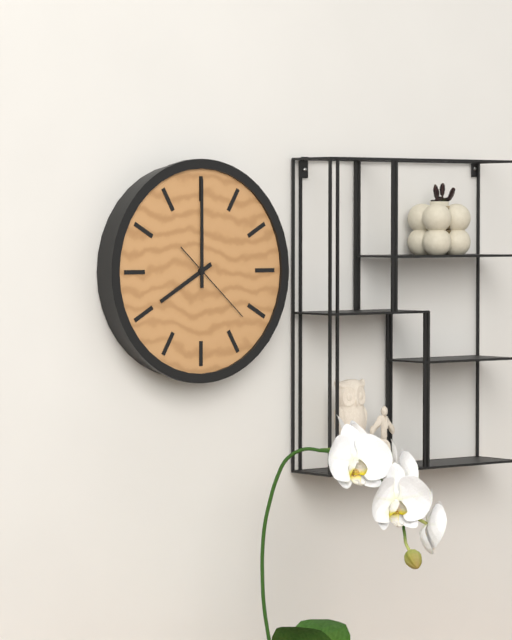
8:00:22
